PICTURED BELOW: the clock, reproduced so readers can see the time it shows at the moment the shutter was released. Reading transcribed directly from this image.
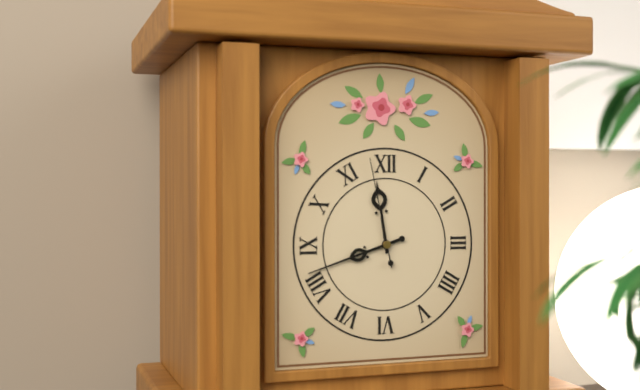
11:42:58
